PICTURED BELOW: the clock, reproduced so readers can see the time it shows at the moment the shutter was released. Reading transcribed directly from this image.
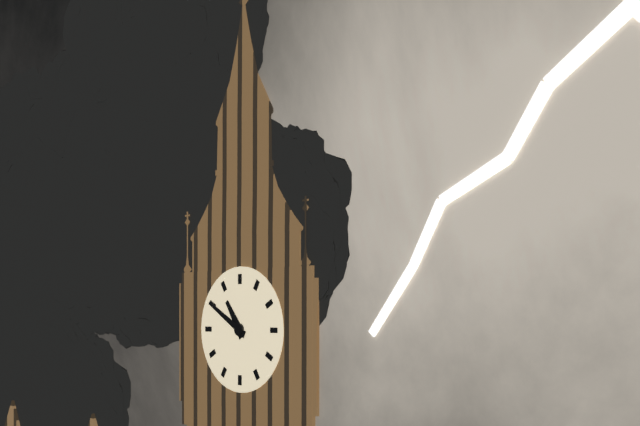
10:50
